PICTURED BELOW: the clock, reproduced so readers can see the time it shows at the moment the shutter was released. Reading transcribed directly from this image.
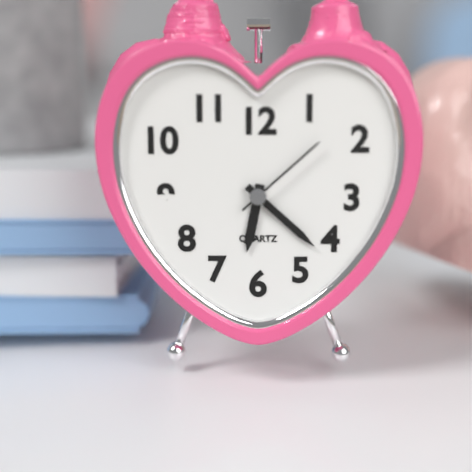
6:22:08
